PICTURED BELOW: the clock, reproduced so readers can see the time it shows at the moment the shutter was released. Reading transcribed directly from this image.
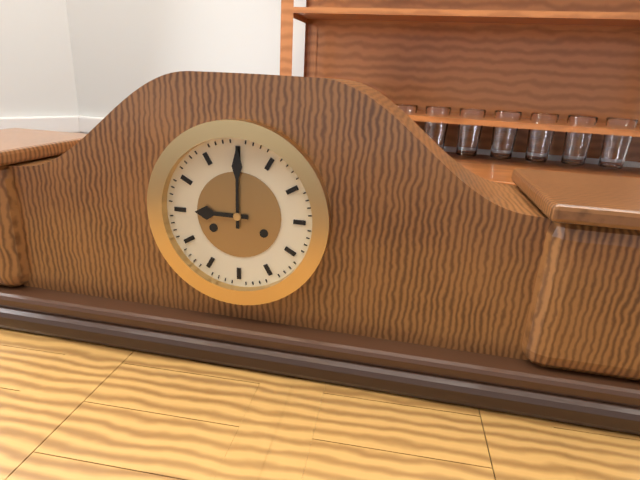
9:00
